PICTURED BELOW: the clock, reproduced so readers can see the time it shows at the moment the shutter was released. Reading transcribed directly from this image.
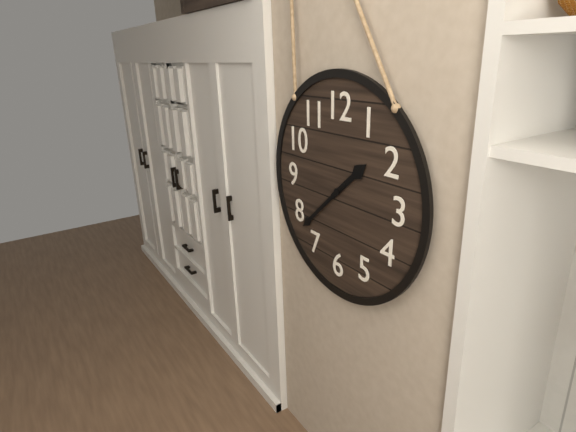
1:38
